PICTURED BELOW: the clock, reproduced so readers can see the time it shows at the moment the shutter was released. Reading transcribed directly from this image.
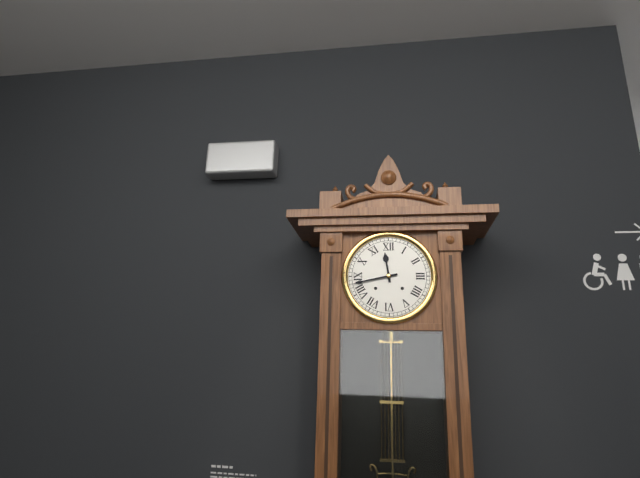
11:43
